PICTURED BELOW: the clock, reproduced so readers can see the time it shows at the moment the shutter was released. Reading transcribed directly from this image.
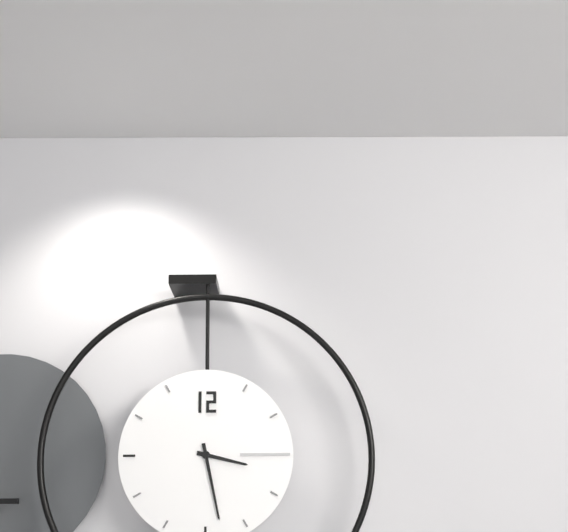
3:28
